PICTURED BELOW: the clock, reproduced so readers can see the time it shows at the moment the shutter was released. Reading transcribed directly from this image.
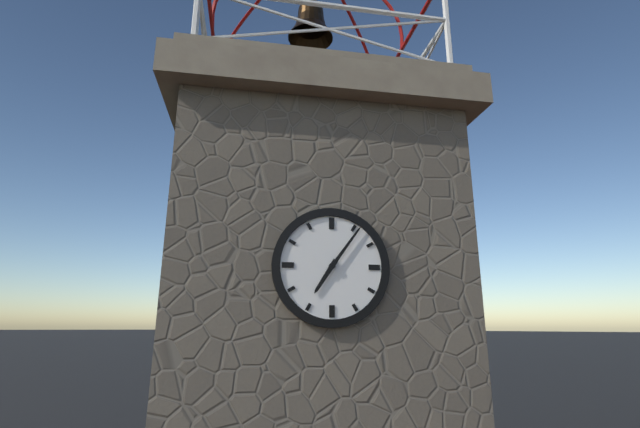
7:06
